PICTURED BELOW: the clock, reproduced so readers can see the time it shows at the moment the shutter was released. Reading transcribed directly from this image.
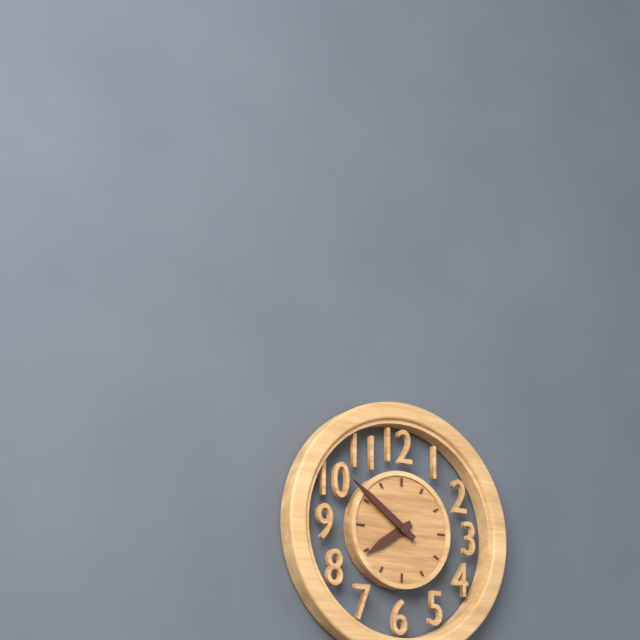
7:51
